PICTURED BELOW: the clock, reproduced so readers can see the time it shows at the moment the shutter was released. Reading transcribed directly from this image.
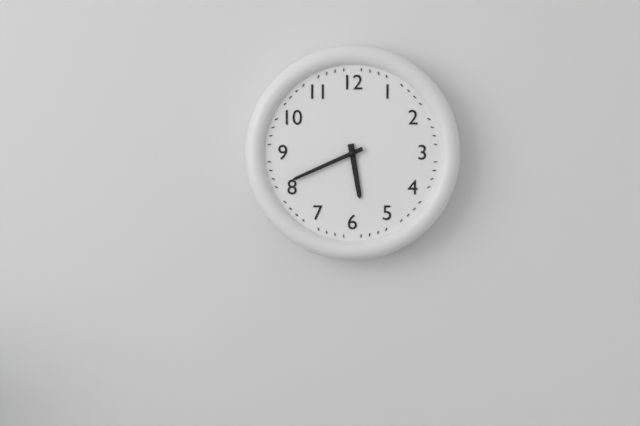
5:41
